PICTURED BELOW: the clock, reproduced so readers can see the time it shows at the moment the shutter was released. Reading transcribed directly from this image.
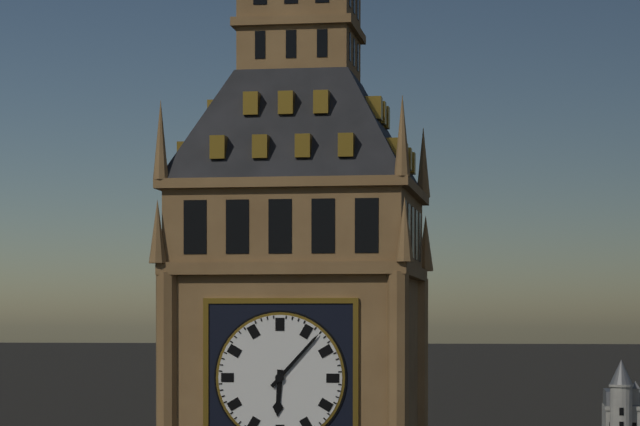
6:07
